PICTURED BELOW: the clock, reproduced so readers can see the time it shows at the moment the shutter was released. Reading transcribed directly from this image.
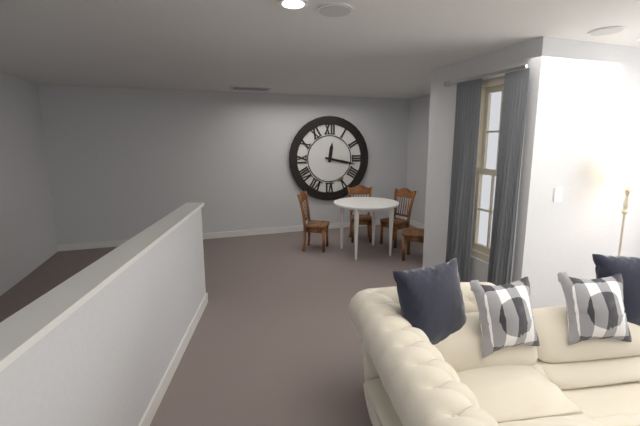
12:17
